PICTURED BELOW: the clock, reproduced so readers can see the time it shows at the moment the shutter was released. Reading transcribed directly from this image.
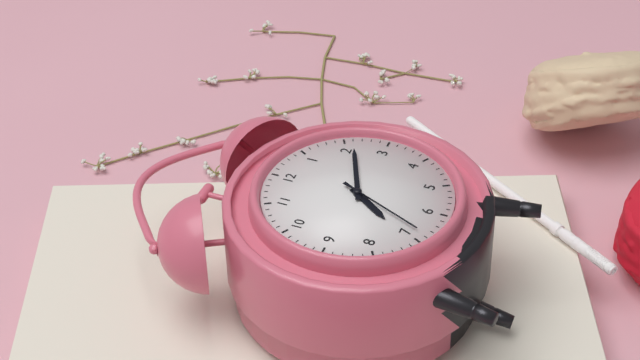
7:11:34
